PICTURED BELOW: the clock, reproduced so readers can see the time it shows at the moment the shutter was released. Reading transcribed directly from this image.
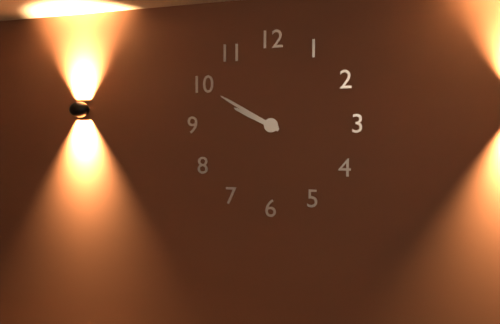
9:50
